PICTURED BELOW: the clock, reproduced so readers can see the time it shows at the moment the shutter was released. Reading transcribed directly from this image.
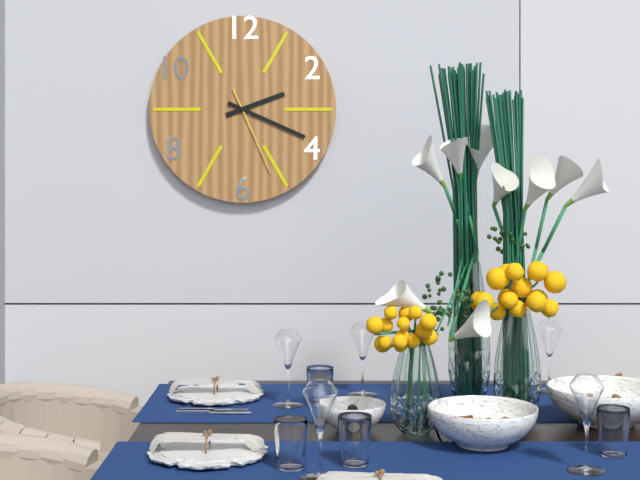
2:19:26
